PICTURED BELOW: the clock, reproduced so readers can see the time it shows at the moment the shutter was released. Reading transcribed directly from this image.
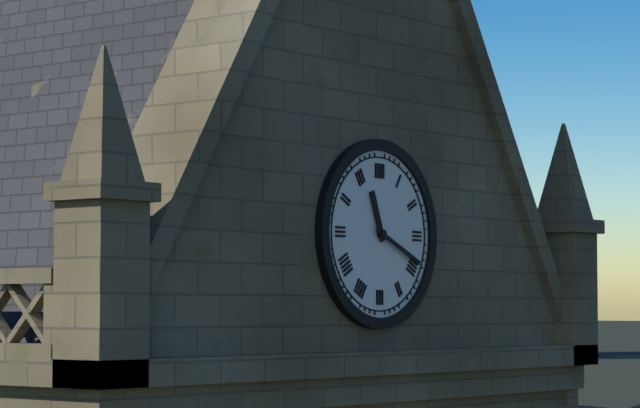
11:19
